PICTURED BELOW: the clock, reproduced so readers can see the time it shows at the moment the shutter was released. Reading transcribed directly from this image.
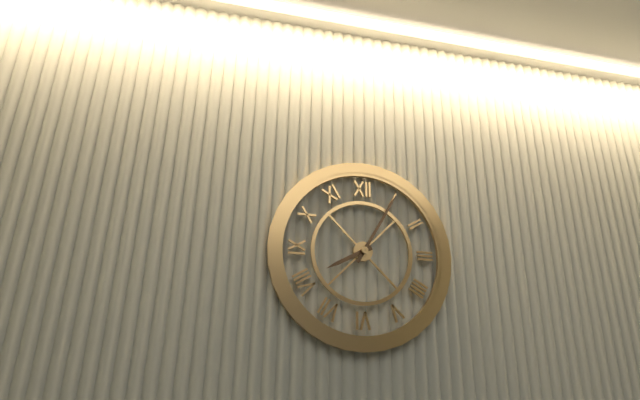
8:05
